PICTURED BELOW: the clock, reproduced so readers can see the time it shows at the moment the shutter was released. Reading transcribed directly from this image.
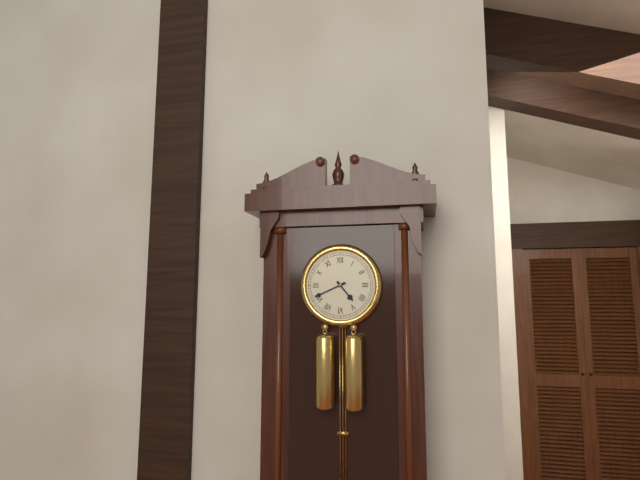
4:41
